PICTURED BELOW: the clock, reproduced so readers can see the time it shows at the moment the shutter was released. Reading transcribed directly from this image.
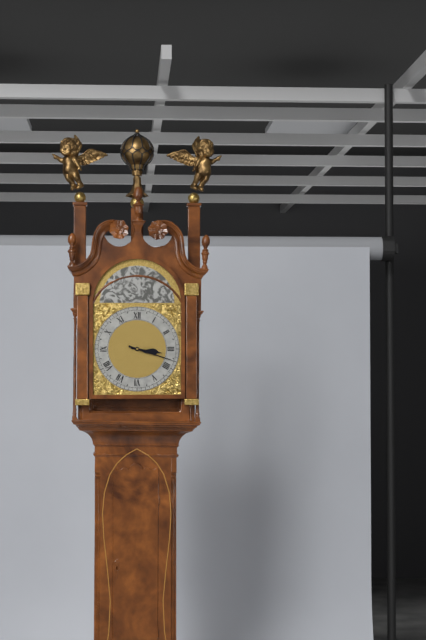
3:18
